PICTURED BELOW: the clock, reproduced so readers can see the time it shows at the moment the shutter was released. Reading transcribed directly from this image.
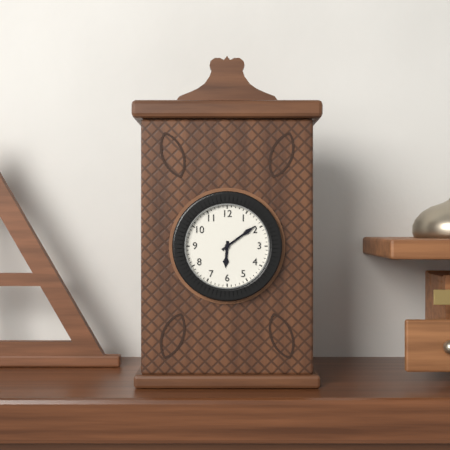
6:09
